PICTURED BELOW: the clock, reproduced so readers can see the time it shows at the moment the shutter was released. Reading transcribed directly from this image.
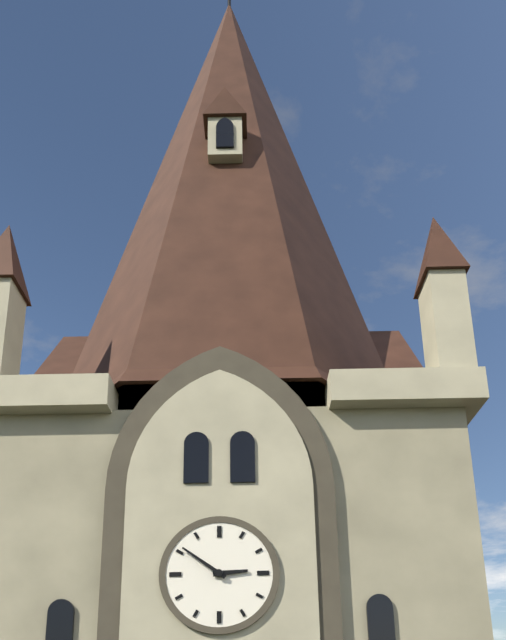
2:51
